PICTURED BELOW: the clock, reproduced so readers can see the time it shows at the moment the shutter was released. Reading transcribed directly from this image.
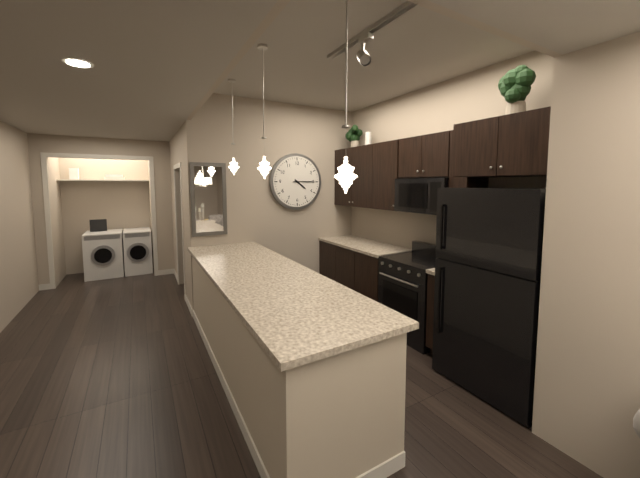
4:15
